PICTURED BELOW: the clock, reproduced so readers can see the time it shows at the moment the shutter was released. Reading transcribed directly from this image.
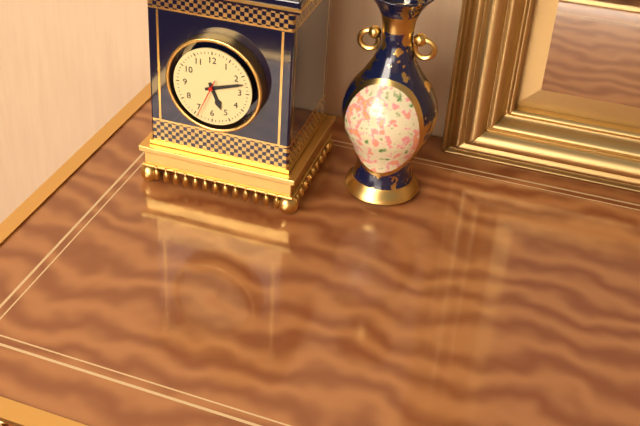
5:12
